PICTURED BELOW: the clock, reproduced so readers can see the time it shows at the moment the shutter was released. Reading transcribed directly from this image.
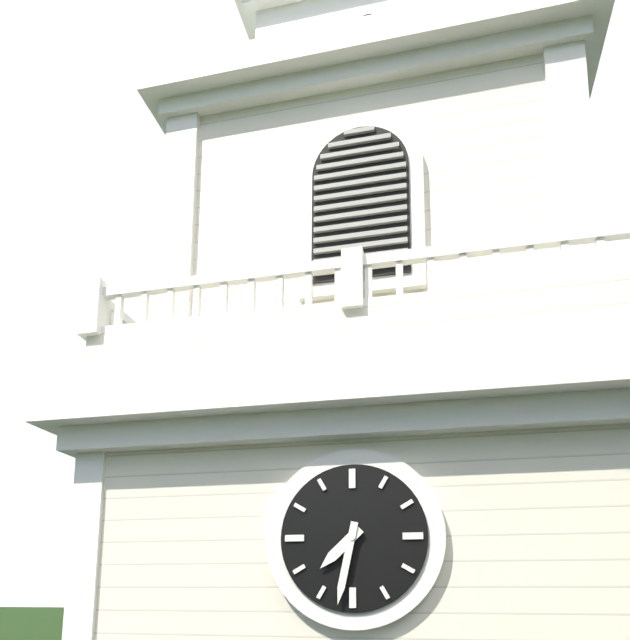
7:32
